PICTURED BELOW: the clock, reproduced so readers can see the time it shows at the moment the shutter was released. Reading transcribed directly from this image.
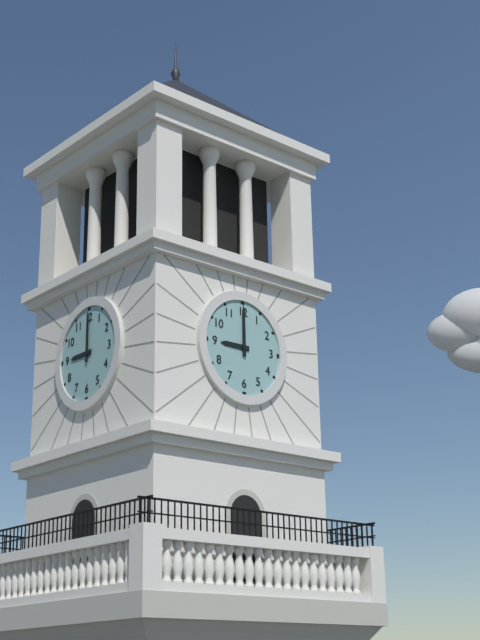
9:00
